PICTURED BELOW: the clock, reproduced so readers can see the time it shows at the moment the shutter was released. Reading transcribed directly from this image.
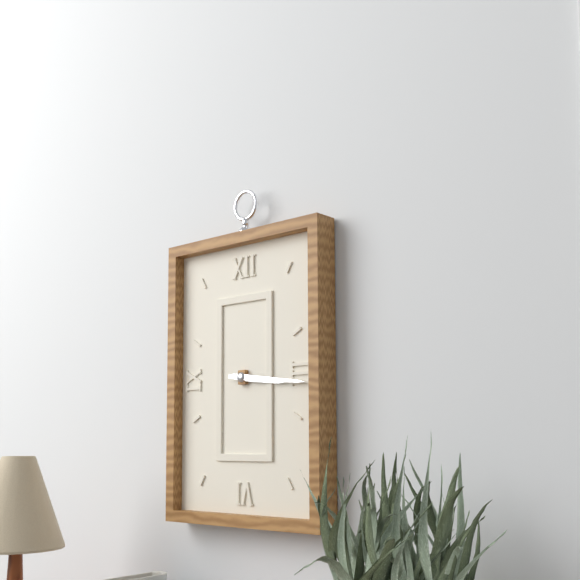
3:16
